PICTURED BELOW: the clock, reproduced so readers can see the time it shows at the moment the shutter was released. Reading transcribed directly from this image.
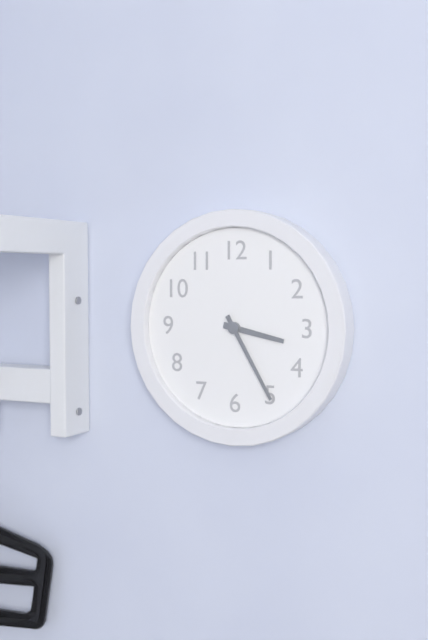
3:25
